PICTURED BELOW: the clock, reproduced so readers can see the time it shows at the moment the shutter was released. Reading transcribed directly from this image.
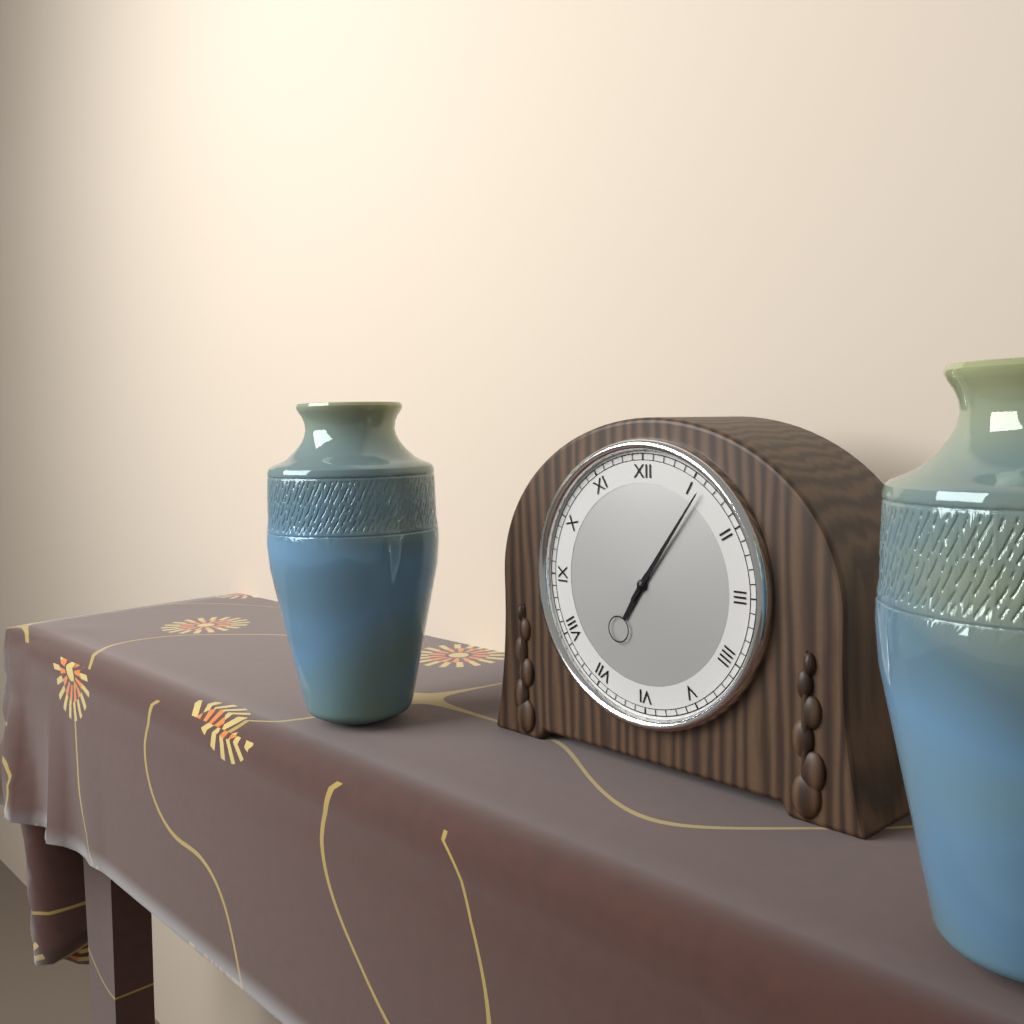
7:06
